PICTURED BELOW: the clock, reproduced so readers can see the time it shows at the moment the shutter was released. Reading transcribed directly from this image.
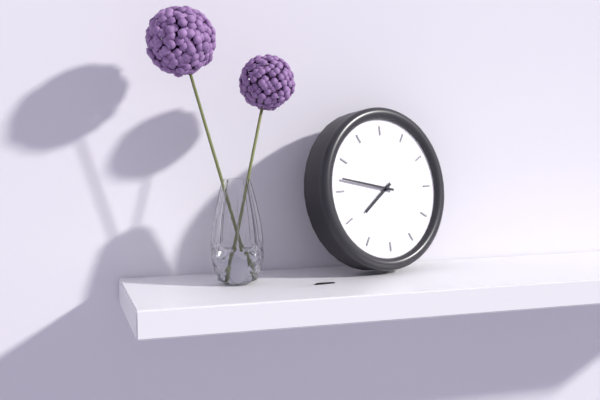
7:47
